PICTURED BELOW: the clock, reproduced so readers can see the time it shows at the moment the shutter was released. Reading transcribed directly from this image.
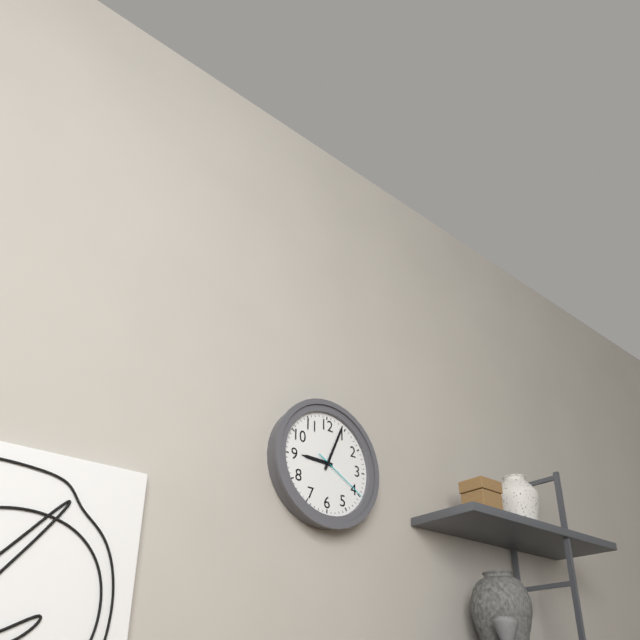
9:04:20
